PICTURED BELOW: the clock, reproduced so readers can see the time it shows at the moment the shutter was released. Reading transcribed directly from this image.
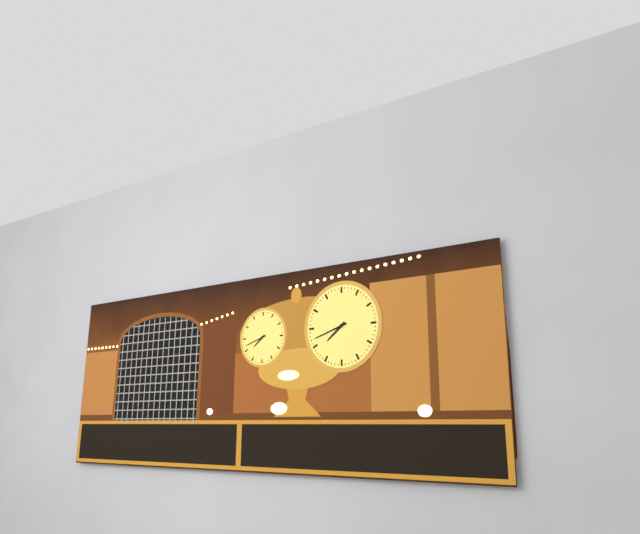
7:42
